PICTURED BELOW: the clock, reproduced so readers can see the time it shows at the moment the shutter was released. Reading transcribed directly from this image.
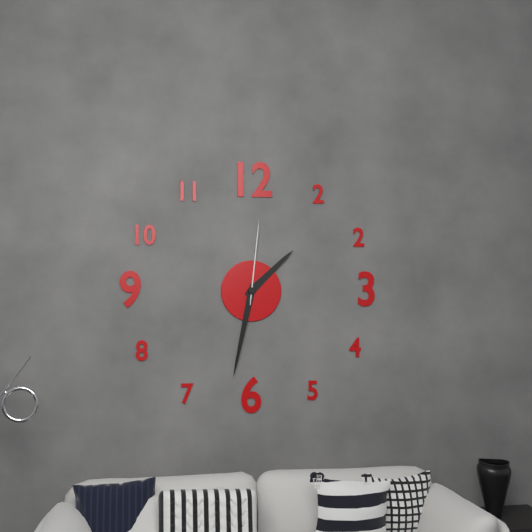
1:32:01
